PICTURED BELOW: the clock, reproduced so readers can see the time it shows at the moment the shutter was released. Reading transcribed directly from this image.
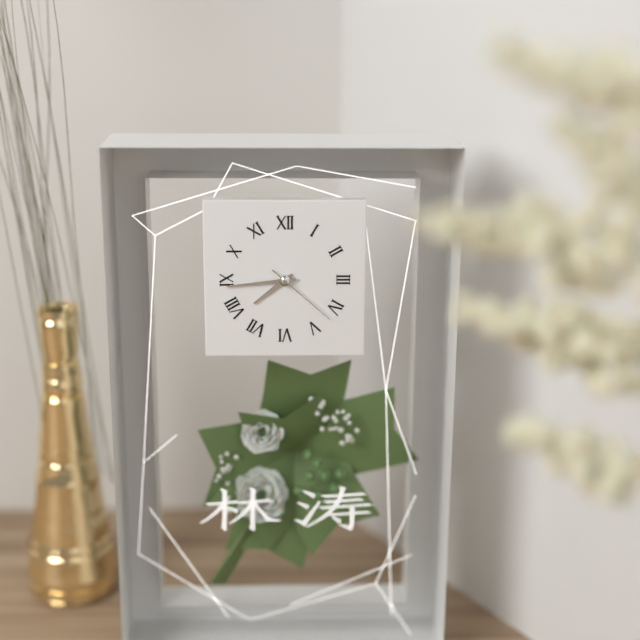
7:44:22
